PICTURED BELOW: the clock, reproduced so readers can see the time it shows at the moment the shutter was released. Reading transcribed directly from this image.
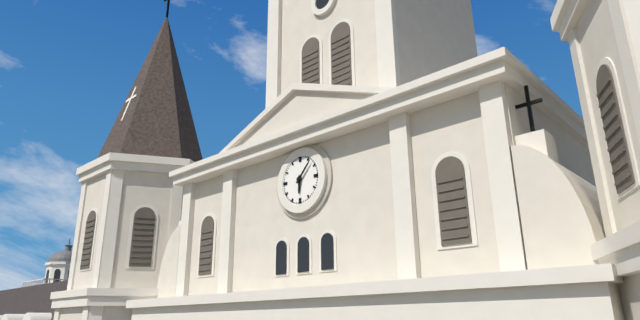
6:07
